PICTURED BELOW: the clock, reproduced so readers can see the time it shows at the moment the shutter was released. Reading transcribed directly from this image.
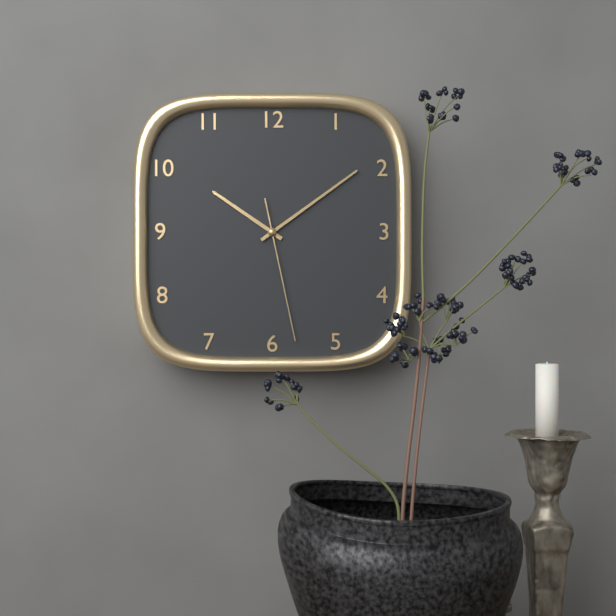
10:09:28
